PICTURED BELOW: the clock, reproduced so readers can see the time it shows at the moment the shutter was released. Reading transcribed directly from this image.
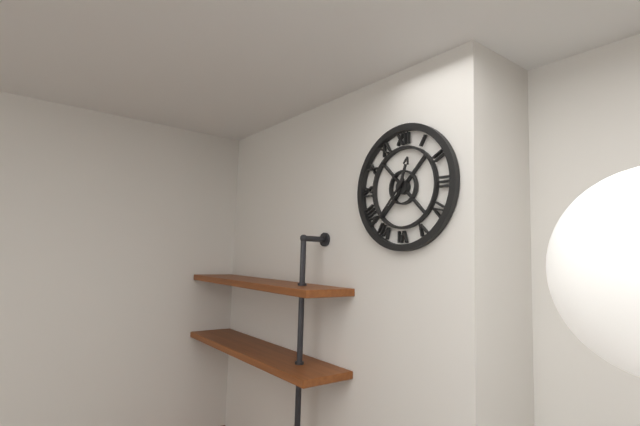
12:37
